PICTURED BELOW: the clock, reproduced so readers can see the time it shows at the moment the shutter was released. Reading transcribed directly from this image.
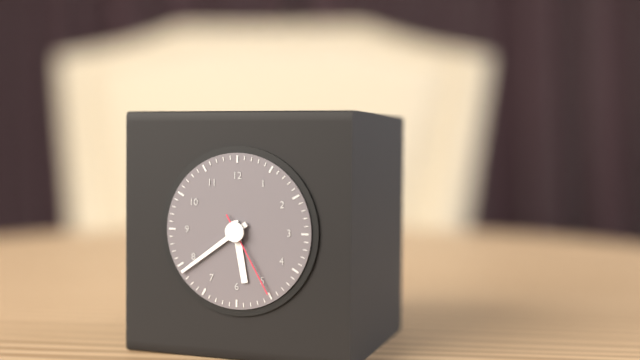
5:39:25
